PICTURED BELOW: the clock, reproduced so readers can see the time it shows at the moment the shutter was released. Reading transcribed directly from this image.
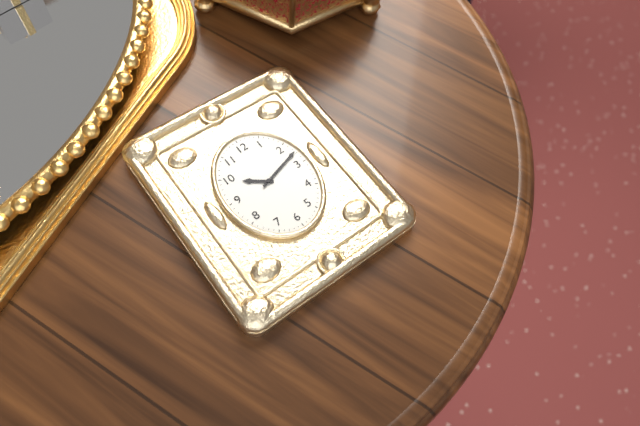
10:12
